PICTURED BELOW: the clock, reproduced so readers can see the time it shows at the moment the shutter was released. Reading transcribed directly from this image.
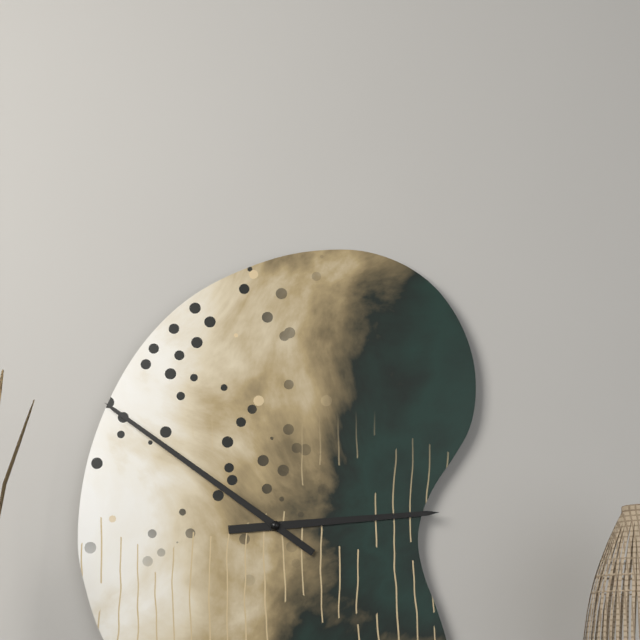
2:51
